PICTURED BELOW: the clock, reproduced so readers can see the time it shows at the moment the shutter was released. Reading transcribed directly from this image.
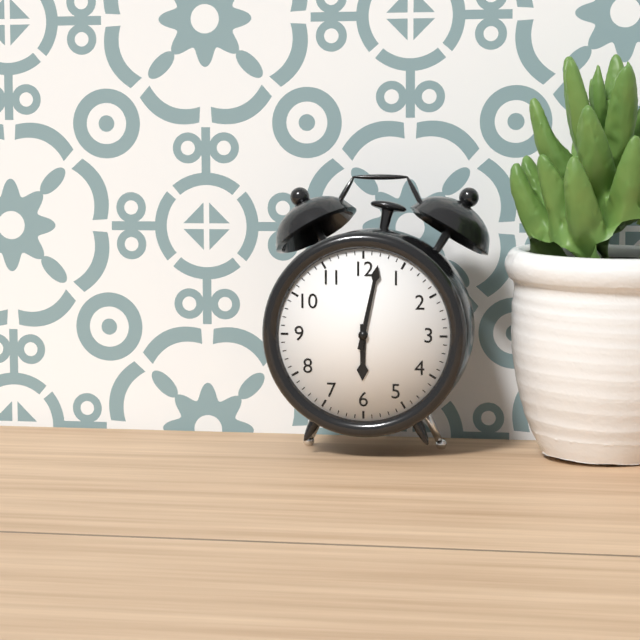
6:02
